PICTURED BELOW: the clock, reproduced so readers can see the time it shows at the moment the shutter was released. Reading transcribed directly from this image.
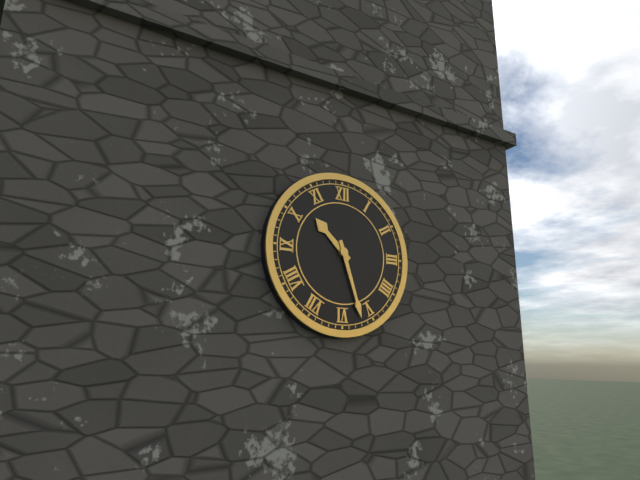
10:27
